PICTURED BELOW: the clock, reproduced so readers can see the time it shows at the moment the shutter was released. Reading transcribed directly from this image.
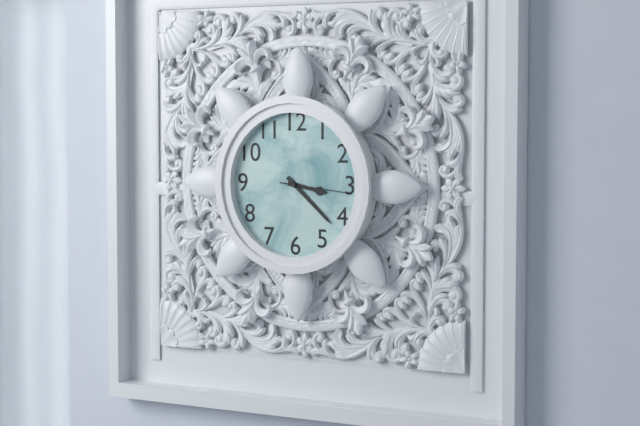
3:22:16
